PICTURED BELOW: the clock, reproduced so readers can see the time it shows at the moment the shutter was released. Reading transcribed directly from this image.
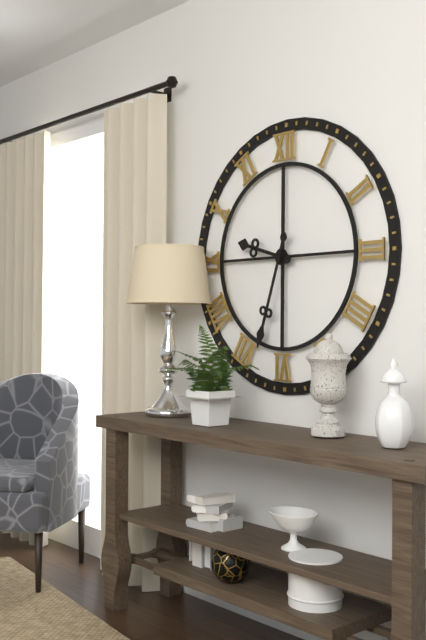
9:33
